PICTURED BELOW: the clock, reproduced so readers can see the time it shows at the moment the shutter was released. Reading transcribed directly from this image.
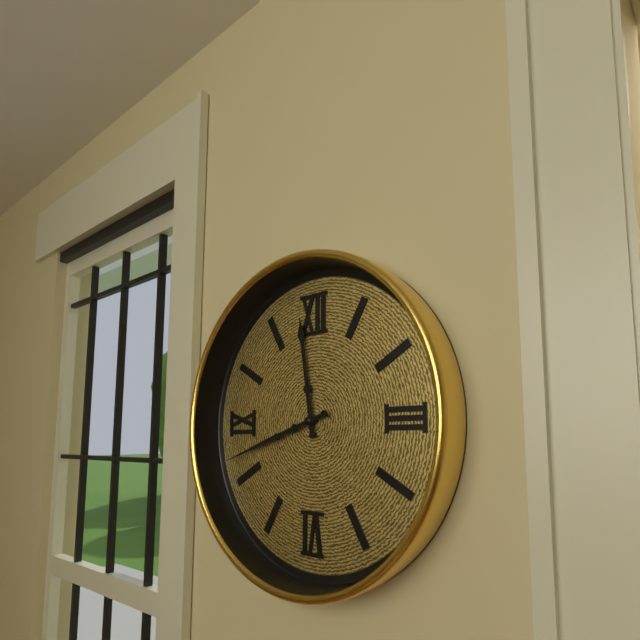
11:42
